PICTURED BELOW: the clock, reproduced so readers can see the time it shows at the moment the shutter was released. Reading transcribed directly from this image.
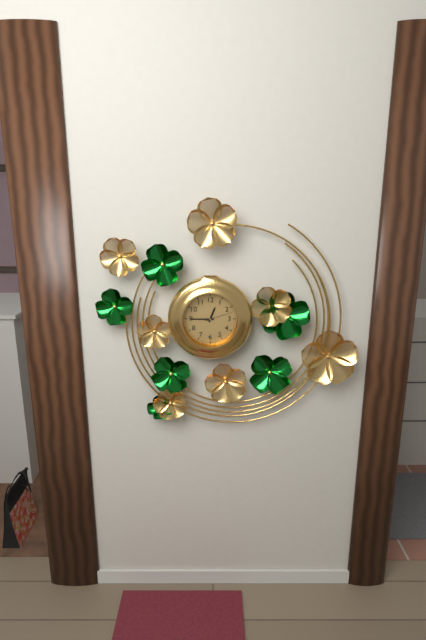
12:45
